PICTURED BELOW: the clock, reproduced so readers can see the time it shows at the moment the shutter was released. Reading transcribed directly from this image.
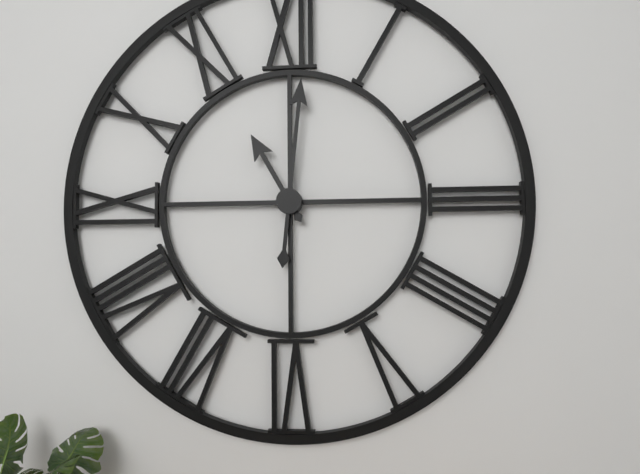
11:01
